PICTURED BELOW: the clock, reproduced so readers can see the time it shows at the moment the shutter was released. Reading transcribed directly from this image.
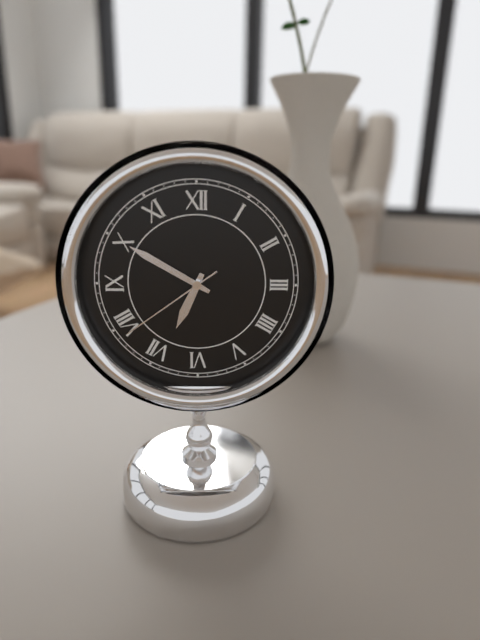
6:50:39
